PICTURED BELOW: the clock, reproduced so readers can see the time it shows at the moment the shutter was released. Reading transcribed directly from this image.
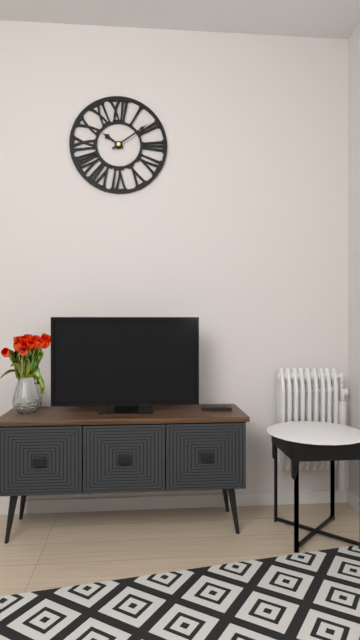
10:09
